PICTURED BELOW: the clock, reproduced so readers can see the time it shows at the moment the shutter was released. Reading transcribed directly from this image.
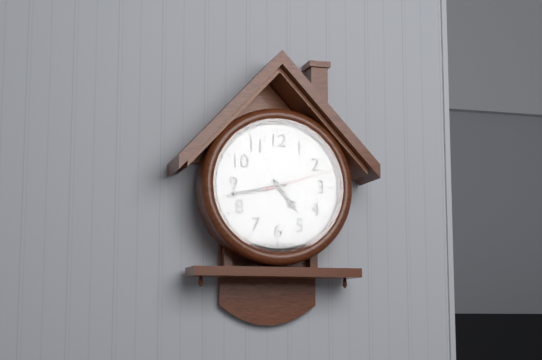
4:43:12
